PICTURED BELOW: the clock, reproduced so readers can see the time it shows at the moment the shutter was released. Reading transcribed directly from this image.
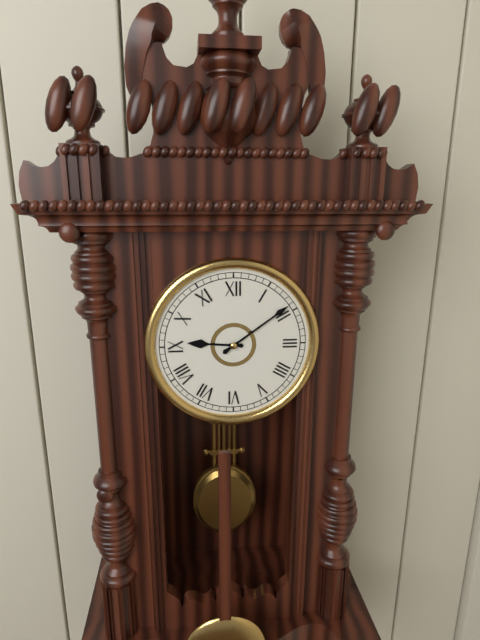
9:09
